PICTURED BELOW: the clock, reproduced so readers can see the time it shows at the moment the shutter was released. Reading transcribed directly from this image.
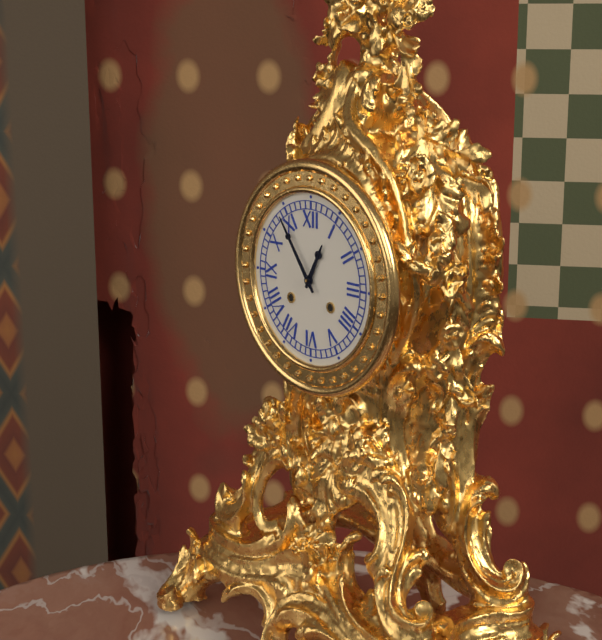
12:54
